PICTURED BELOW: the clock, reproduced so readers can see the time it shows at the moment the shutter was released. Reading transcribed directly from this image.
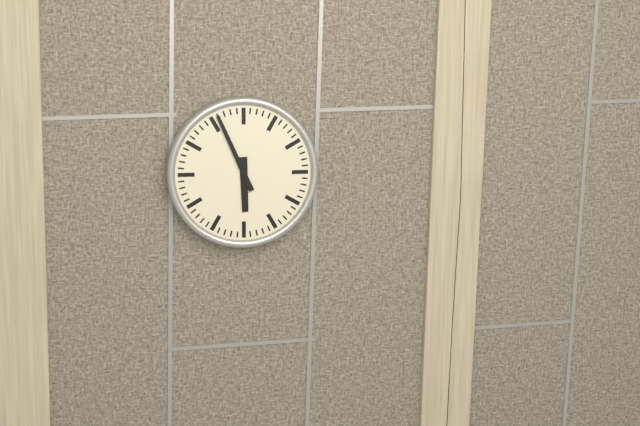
5:56
